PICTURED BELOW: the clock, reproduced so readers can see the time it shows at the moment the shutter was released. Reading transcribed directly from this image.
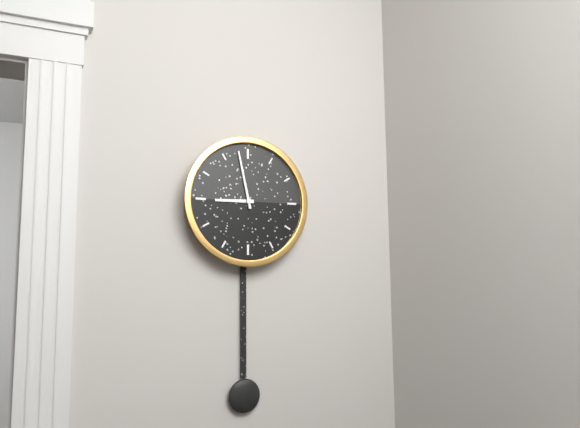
8:58
